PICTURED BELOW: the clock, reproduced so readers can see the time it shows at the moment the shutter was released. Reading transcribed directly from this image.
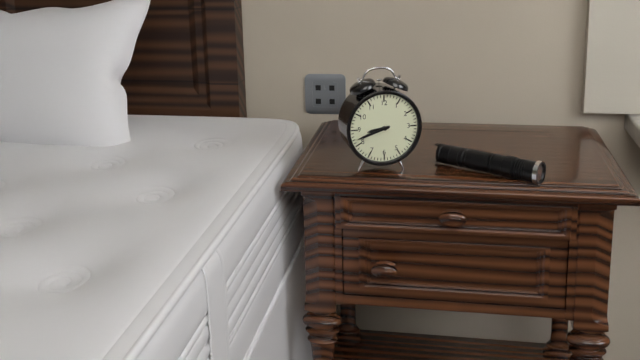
8:42
